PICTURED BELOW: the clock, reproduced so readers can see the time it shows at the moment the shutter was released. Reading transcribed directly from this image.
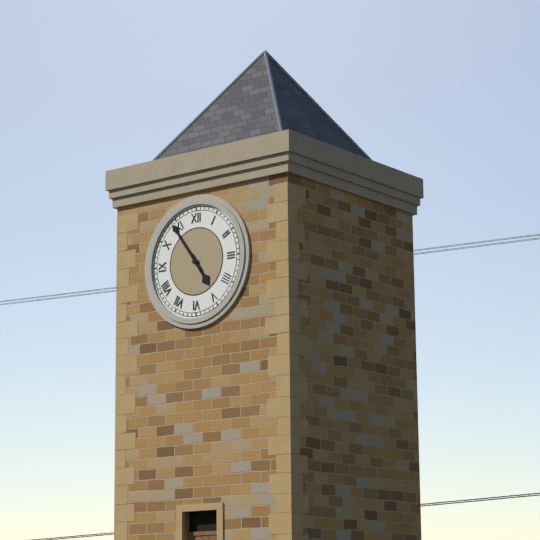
4:54
